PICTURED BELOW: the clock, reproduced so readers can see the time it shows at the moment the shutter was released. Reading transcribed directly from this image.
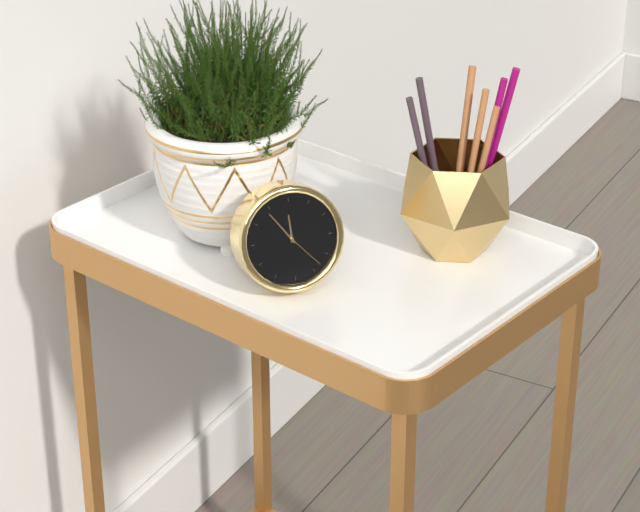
11:54
